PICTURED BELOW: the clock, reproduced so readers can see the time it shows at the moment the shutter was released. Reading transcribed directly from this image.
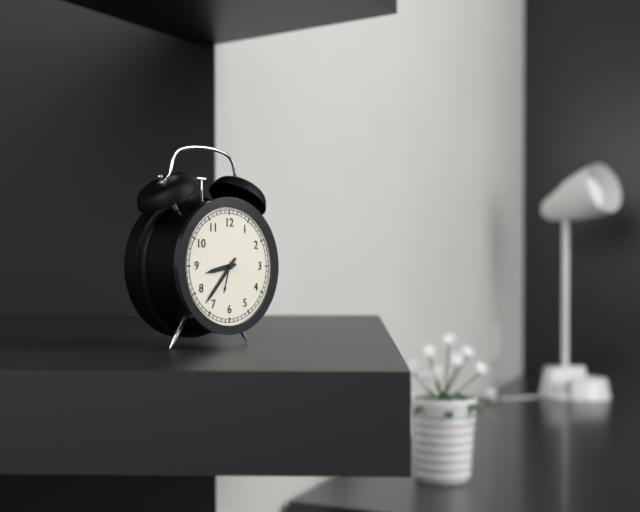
8:37
